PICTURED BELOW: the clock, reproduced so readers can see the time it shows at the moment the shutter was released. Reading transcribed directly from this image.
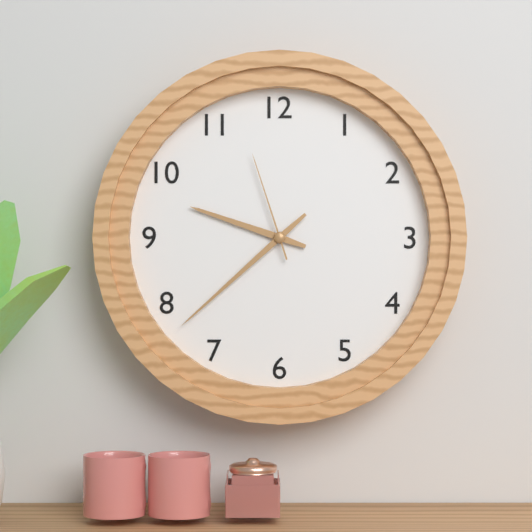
9:38:57
